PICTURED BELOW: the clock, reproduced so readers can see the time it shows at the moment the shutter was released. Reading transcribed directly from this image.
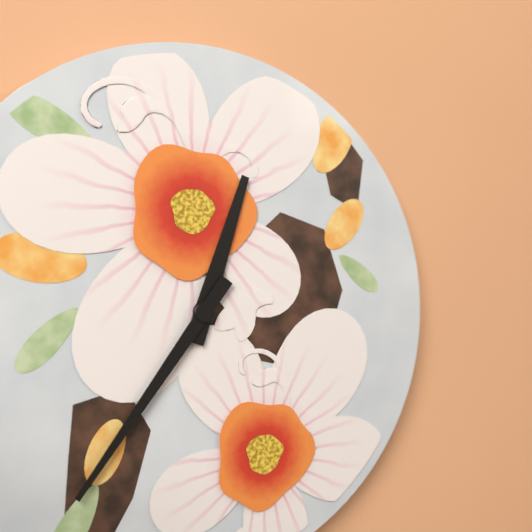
12:36
